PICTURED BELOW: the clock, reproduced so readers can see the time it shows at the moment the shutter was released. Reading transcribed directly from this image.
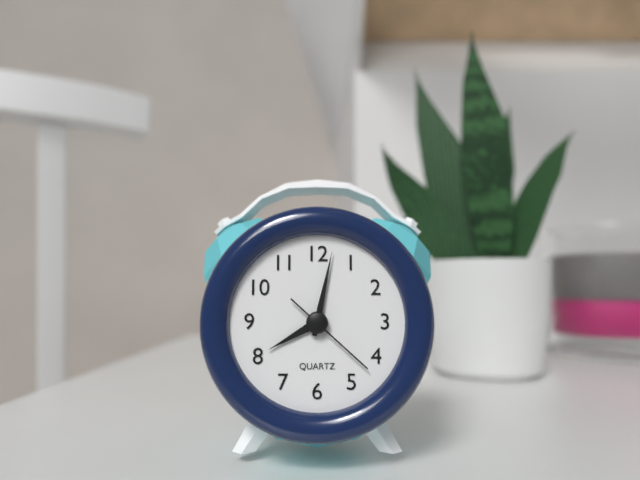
8:02:22
